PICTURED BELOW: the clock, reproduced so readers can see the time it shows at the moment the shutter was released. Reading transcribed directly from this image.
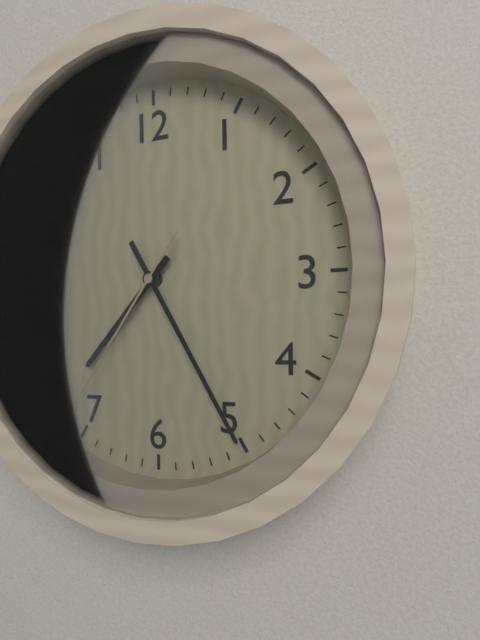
7:25:36
